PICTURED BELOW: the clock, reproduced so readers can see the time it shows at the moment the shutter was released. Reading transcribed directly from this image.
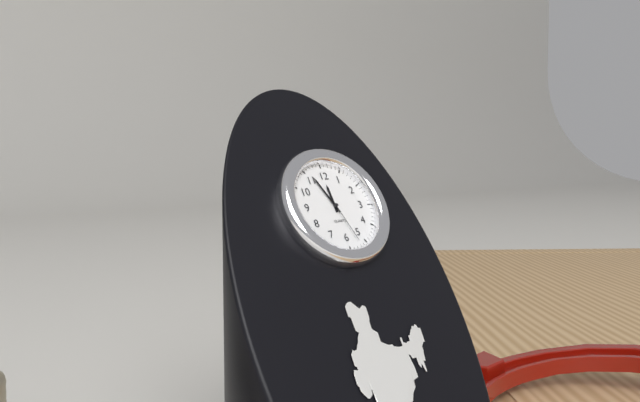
11:56:27
